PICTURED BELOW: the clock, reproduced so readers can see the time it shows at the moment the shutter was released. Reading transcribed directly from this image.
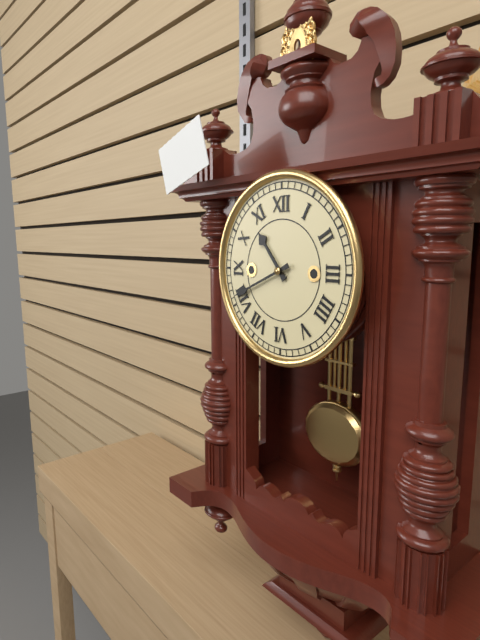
10:41
